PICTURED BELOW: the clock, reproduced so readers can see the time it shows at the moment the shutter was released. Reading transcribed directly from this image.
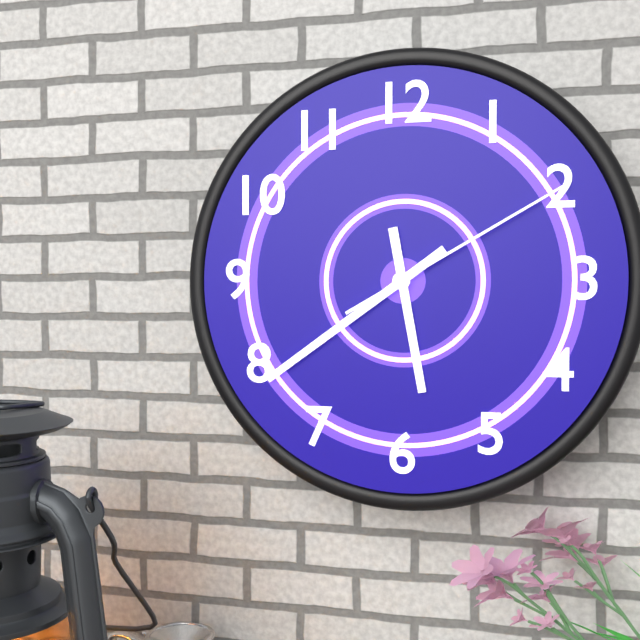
5:39:10
